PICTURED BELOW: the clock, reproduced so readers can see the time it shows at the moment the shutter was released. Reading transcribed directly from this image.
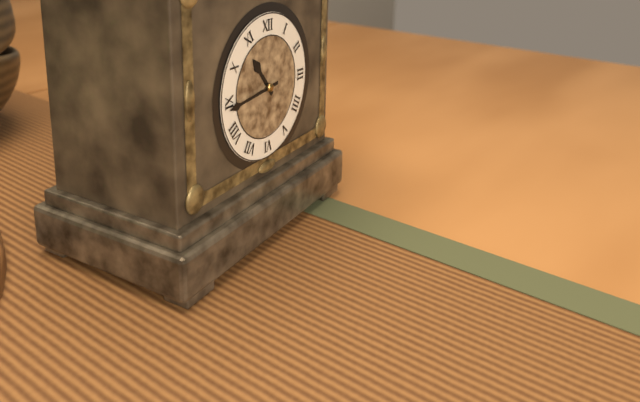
10:44
